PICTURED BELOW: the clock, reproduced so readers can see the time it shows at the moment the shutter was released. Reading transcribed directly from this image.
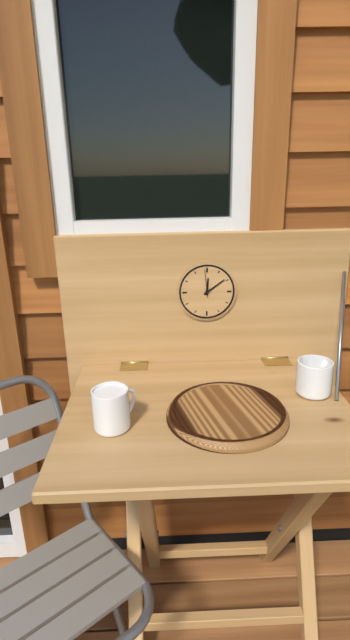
12:09
